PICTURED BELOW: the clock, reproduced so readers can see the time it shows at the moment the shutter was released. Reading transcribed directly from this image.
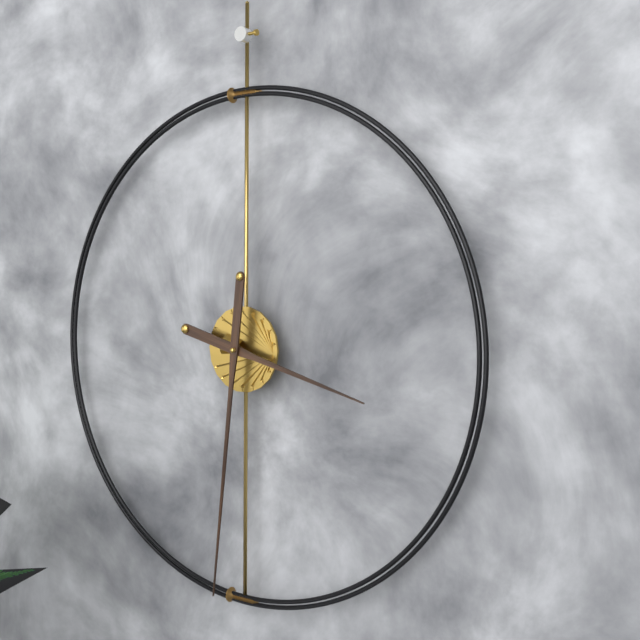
3:31
